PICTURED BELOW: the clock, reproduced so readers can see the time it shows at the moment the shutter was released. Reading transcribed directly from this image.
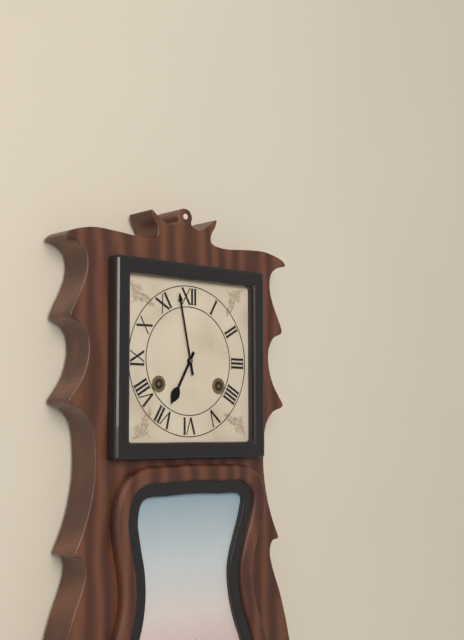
6:58
